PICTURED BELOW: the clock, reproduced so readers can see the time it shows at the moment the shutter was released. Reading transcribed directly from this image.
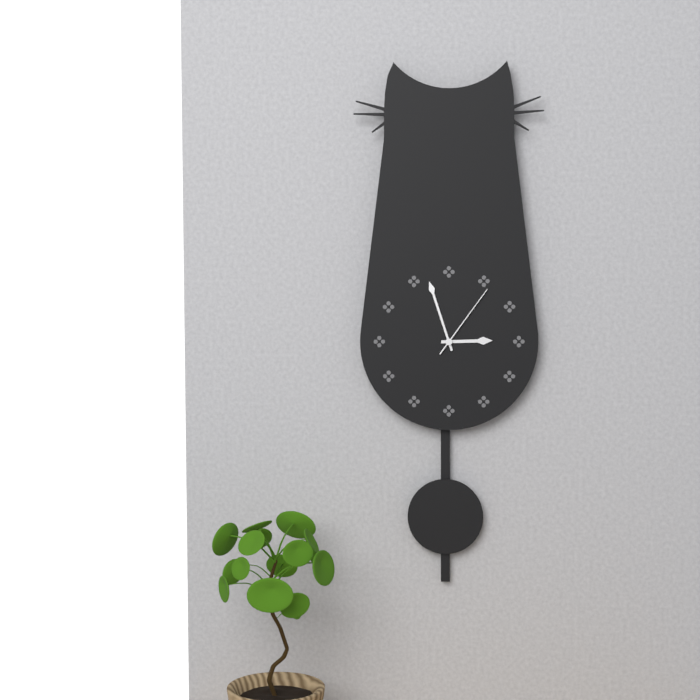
2:57:06
